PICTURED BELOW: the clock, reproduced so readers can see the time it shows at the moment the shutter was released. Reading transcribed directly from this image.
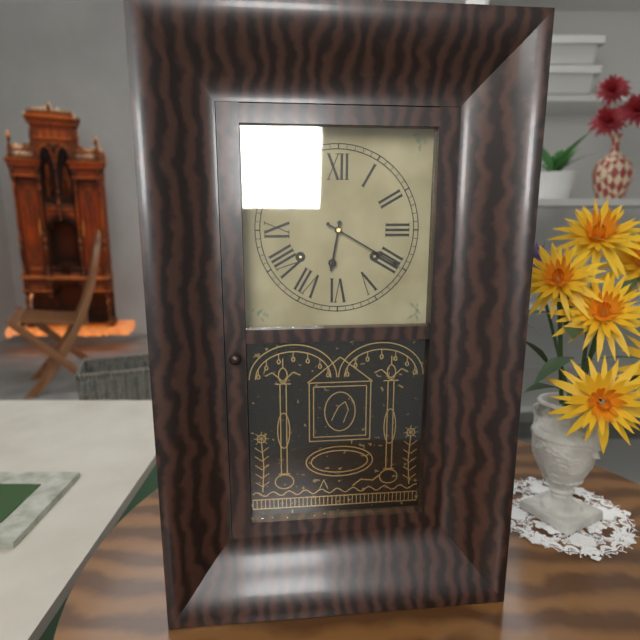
6:20
